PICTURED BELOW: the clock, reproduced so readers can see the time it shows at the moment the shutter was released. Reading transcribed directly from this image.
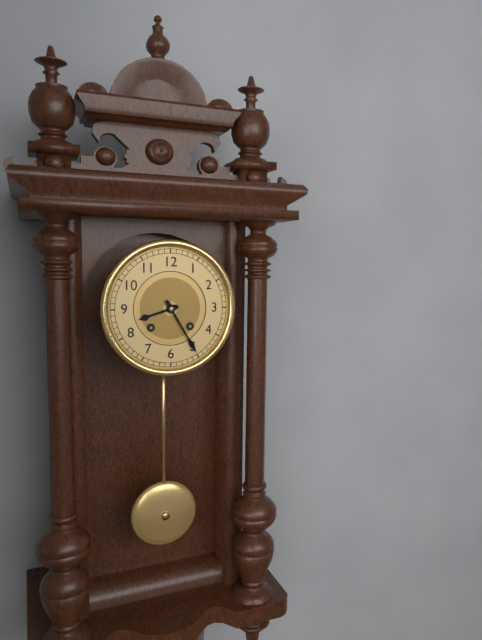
8:25
